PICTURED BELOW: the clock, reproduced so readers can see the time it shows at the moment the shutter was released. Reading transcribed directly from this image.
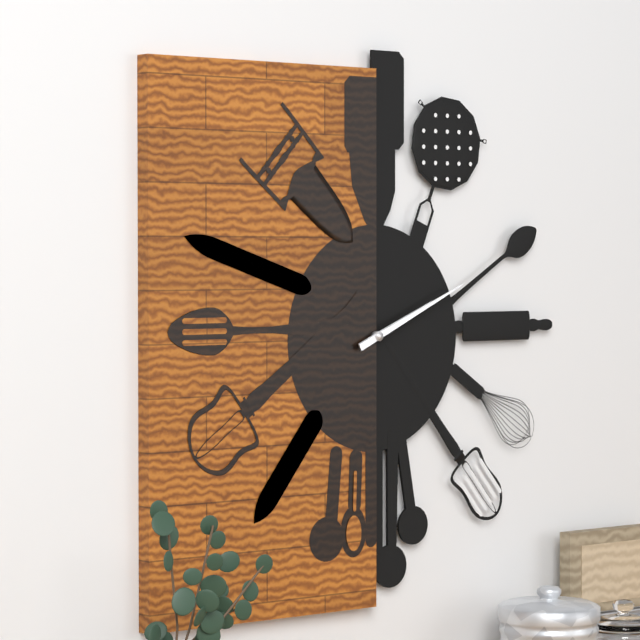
2:11
